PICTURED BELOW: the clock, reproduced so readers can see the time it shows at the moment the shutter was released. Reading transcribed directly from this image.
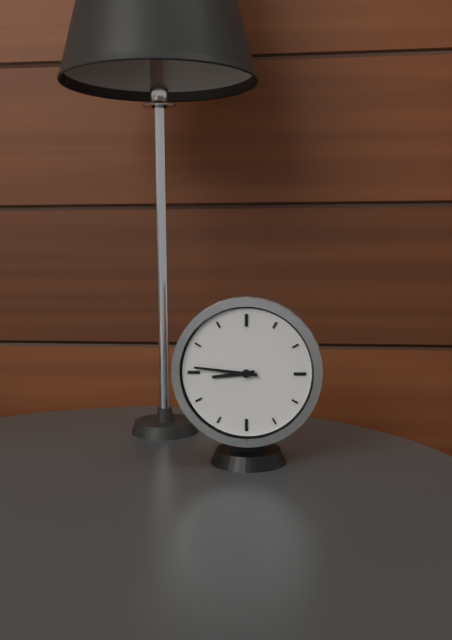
8:46
